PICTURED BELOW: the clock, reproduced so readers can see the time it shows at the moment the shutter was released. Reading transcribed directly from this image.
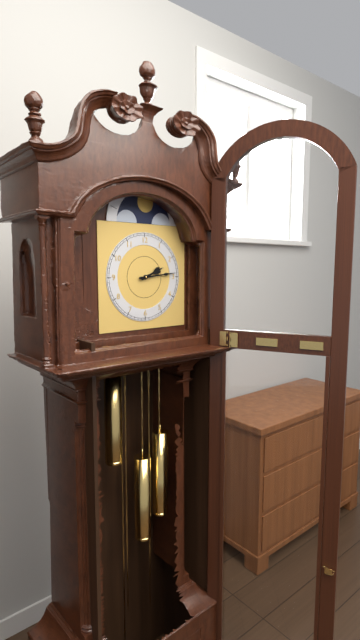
2:14
